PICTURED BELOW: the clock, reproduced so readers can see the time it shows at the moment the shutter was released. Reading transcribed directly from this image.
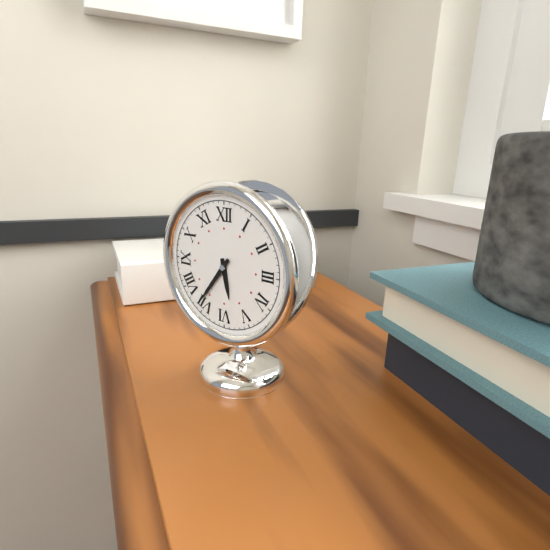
5:36
